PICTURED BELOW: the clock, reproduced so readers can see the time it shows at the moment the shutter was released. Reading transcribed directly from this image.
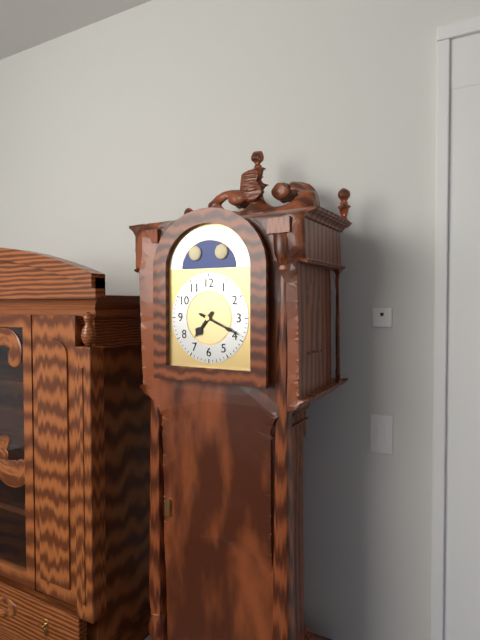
7:19
